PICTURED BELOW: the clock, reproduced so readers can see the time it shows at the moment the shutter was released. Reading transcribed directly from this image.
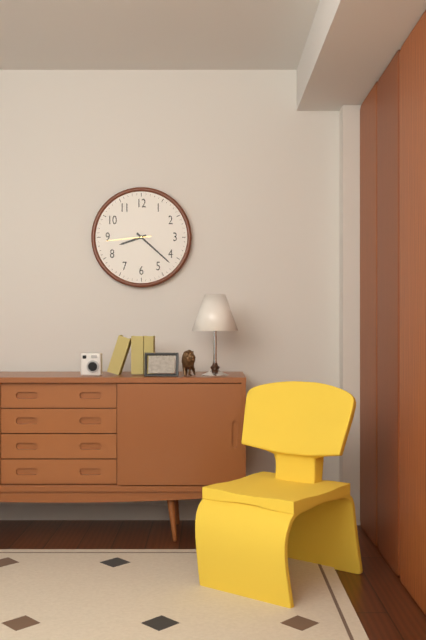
8:22
